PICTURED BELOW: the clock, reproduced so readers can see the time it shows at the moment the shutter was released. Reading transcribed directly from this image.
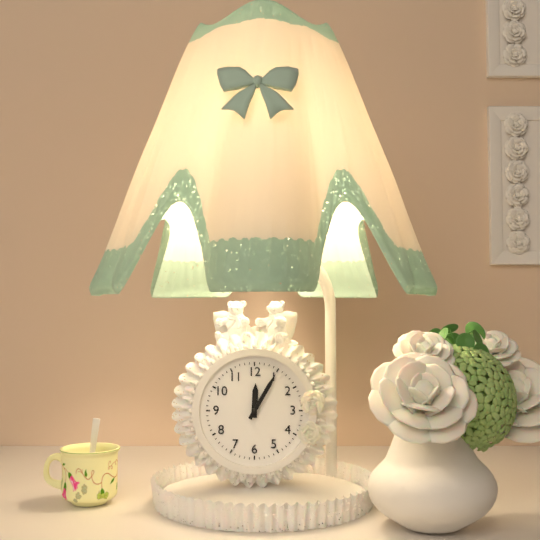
12:05
